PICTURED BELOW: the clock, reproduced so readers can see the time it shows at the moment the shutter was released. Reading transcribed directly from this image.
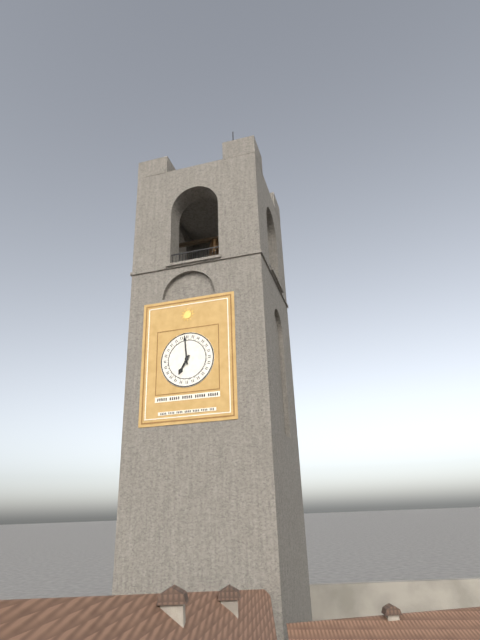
6:59
